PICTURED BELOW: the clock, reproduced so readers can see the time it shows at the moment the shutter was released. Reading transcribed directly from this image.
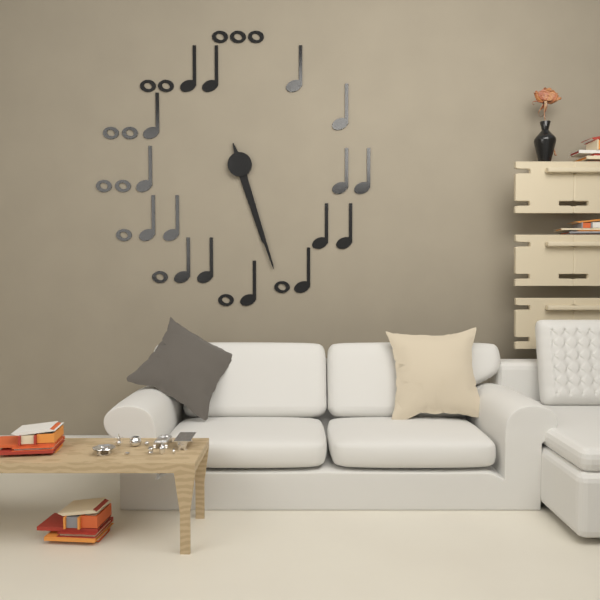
5:27
